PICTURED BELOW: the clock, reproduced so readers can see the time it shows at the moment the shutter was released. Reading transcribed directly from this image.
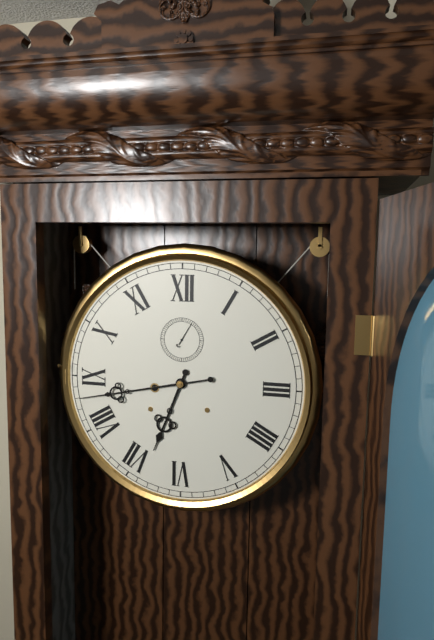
6:43
